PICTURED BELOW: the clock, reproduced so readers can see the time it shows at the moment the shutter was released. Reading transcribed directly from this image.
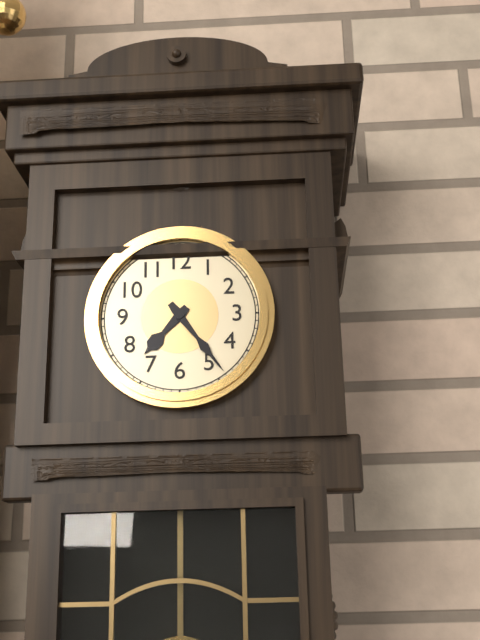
7:24
